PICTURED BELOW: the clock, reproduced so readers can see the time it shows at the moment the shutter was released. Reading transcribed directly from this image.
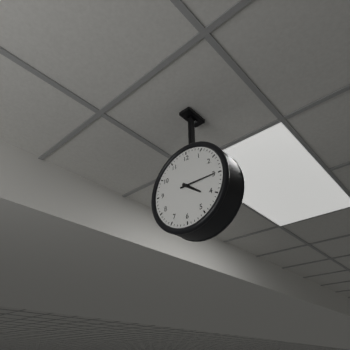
4:15
